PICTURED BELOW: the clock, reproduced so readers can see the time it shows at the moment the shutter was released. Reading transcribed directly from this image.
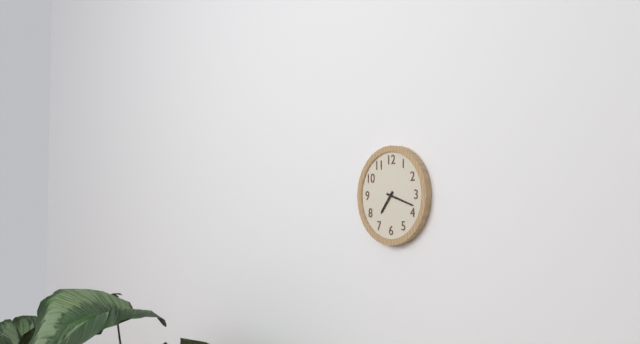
7:18
